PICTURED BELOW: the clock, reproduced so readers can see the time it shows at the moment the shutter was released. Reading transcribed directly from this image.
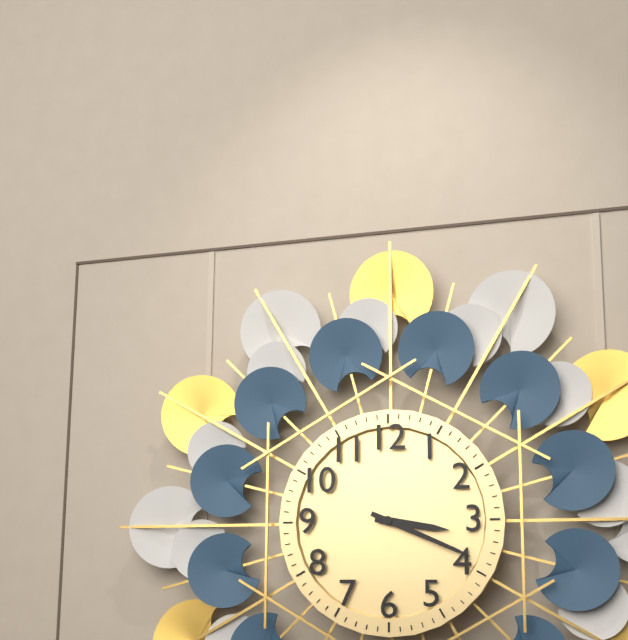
3:19
